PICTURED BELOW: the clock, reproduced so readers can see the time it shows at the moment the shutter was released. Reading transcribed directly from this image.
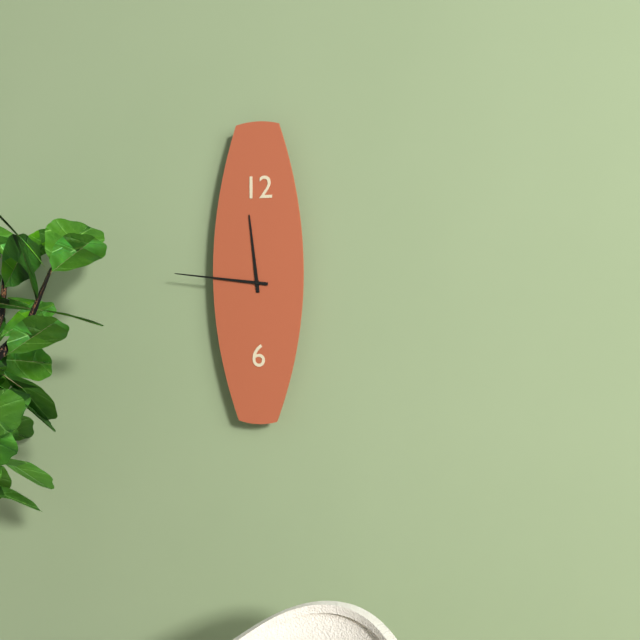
11:46
